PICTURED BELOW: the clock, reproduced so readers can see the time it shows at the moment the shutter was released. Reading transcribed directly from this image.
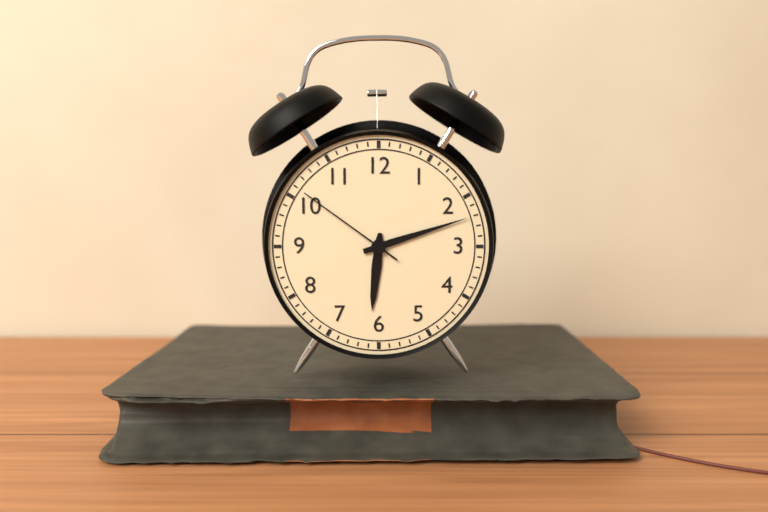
6:12:51
